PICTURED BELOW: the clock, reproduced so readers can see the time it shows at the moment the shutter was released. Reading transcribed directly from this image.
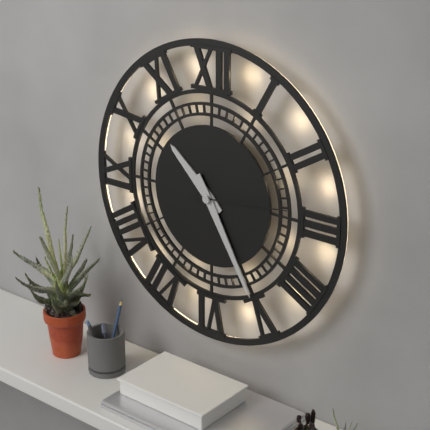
10:25:14
